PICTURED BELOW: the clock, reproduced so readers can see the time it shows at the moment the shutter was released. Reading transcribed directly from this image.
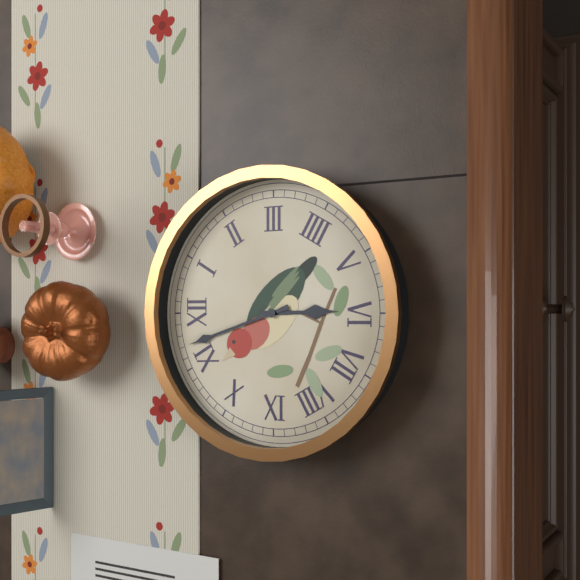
5:57
